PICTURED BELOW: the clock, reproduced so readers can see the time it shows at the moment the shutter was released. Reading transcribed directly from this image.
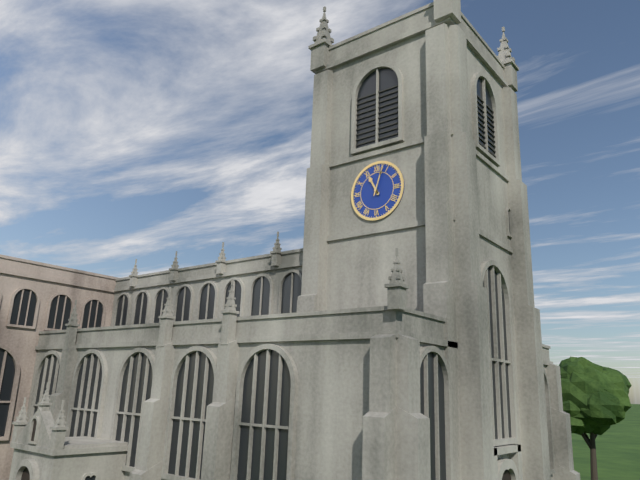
11:03
